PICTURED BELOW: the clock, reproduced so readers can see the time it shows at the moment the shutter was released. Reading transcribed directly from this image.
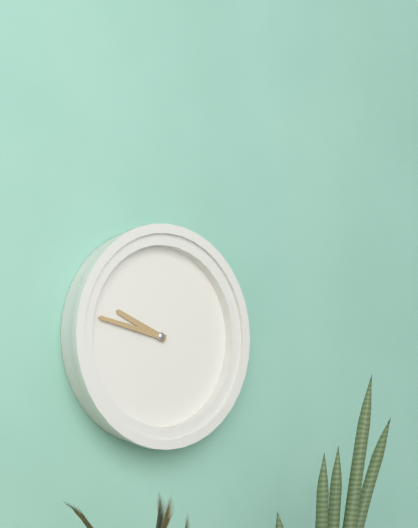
9:47
